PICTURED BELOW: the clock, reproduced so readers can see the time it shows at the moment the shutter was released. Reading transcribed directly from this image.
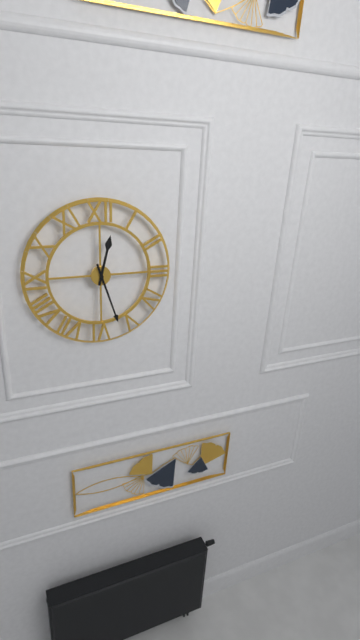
12:27
